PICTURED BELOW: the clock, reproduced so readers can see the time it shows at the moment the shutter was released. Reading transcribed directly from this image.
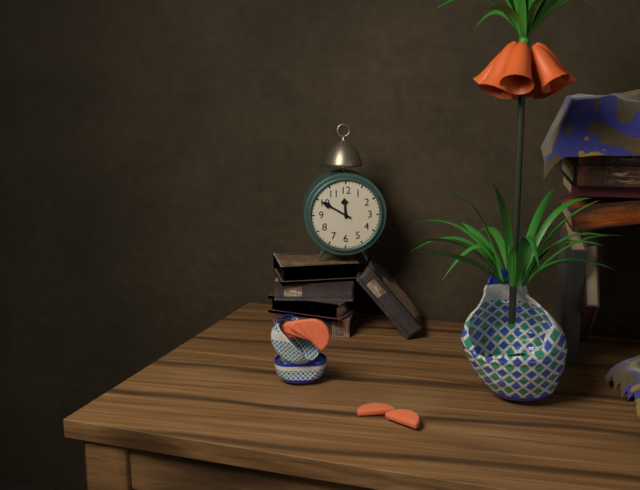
11:50
